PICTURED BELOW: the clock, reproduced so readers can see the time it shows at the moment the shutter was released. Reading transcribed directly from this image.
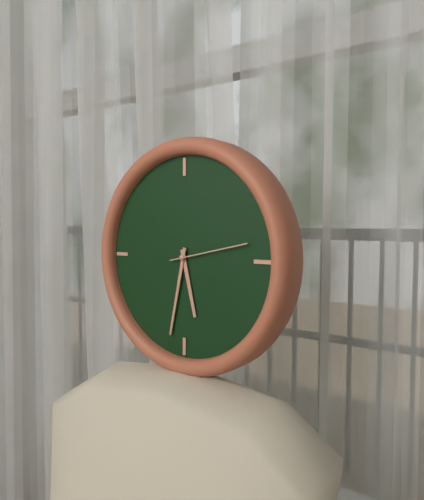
5:32:13
